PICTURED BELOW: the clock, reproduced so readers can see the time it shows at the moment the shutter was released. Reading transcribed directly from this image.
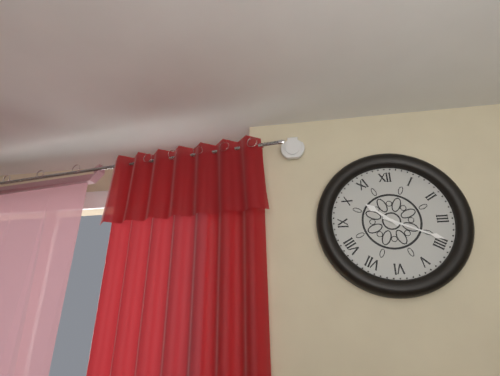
10:19
